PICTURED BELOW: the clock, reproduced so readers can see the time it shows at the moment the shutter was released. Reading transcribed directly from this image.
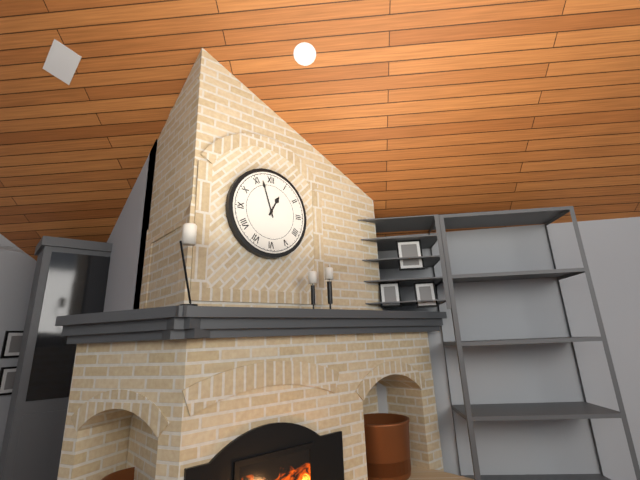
12:57
